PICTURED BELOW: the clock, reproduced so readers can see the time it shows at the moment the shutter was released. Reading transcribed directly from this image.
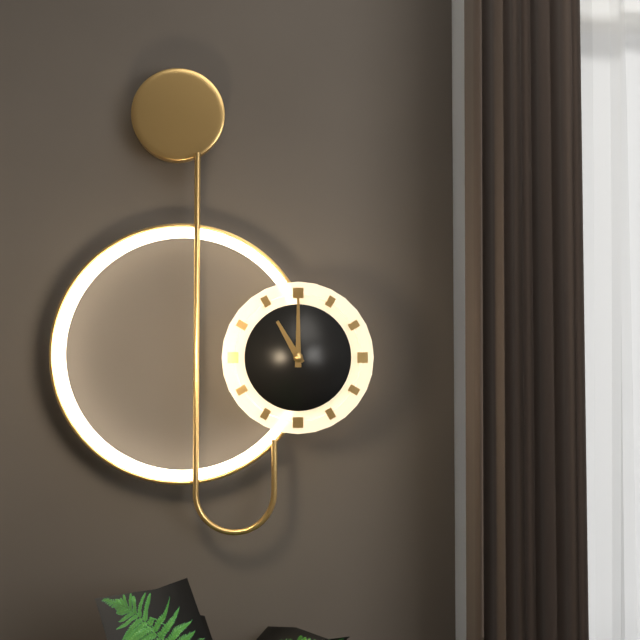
11:00
